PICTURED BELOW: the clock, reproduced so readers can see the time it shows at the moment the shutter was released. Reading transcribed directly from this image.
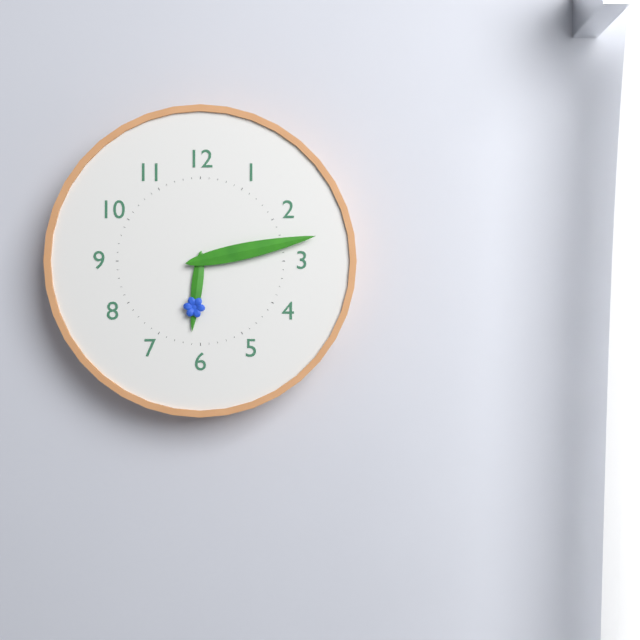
6:13
